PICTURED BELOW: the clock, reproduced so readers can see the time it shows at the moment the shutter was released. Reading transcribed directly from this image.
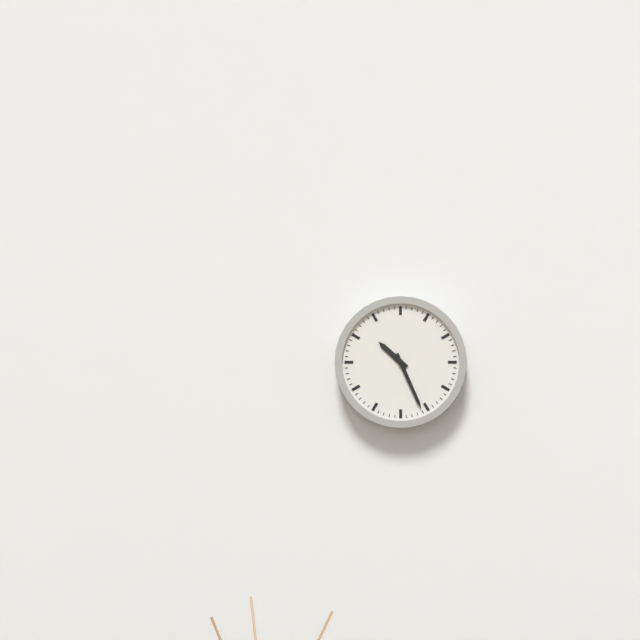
10:26
